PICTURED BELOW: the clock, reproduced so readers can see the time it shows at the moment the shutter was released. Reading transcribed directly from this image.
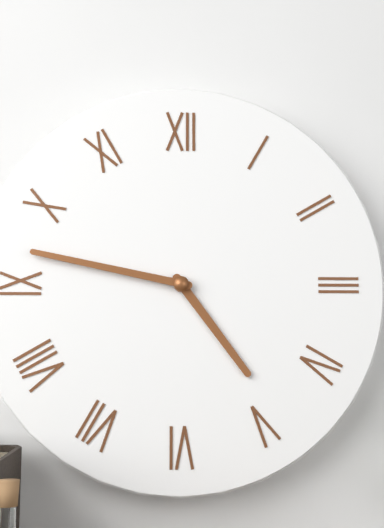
4:47
